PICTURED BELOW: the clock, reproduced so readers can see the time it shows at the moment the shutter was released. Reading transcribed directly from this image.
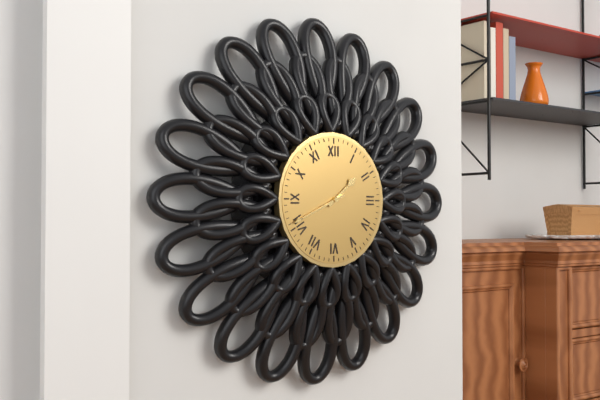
1:41
